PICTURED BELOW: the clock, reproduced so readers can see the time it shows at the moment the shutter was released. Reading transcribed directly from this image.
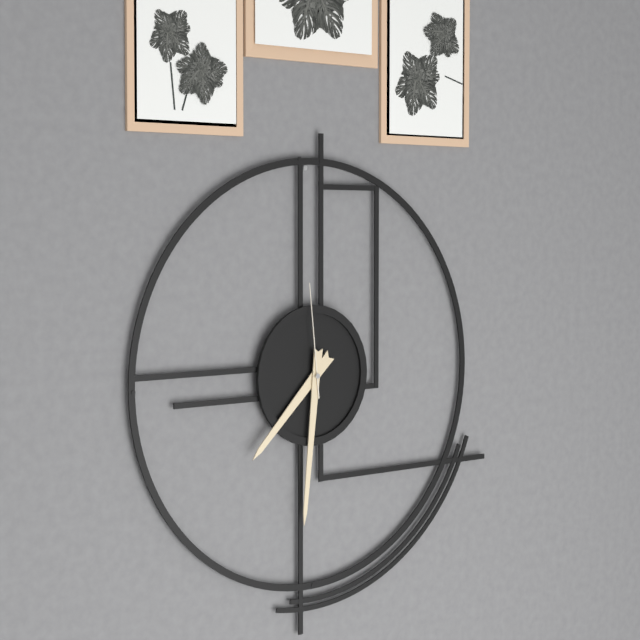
7:31:59
